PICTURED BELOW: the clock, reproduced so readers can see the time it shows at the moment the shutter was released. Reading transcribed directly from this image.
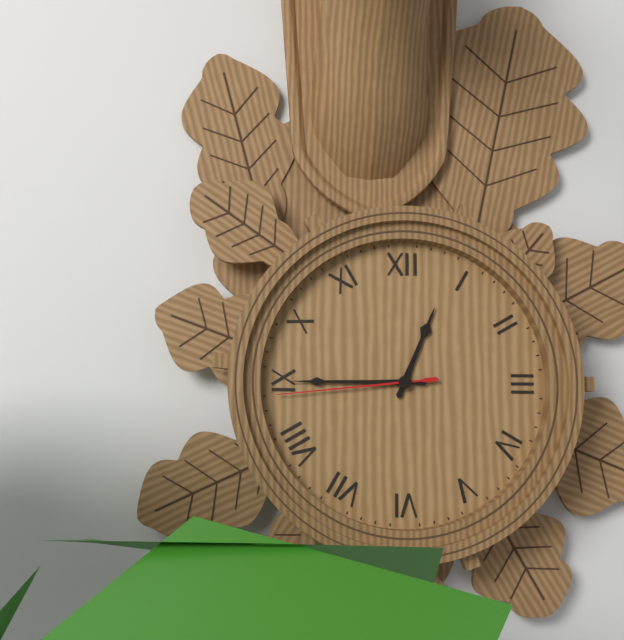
12:45:44
